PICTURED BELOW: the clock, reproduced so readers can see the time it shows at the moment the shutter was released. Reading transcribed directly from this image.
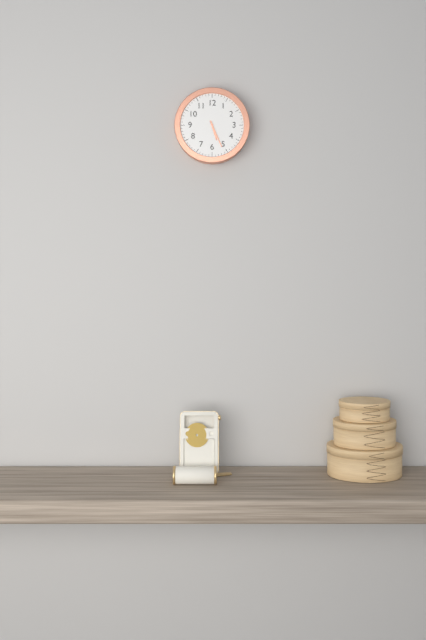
5:26
